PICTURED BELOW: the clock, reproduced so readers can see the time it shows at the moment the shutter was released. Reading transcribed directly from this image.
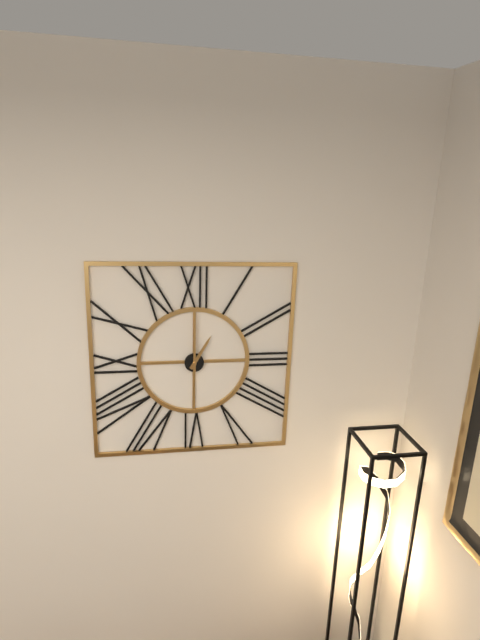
1:00
